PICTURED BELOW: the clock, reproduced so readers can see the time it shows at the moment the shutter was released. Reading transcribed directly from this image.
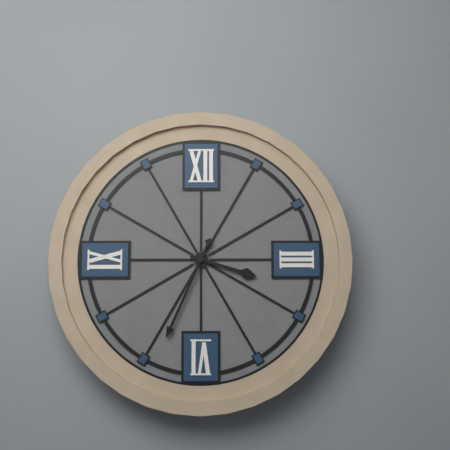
3:34
